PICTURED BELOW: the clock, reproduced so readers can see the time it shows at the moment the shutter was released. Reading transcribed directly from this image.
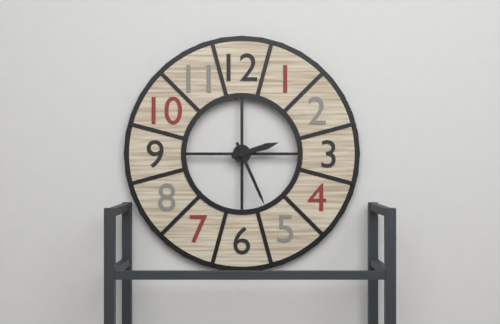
2:26
